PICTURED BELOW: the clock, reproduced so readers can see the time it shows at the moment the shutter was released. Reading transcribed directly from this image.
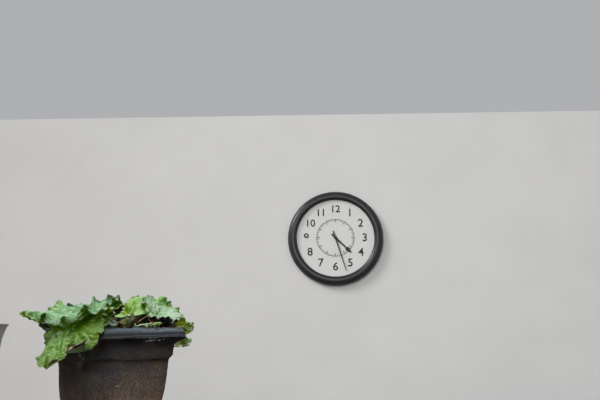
4:27
